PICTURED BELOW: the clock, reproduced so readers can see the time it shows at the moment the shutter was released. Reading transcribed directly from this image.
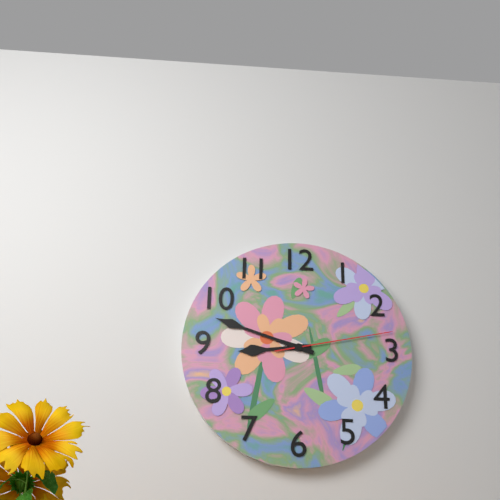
8:48:13
